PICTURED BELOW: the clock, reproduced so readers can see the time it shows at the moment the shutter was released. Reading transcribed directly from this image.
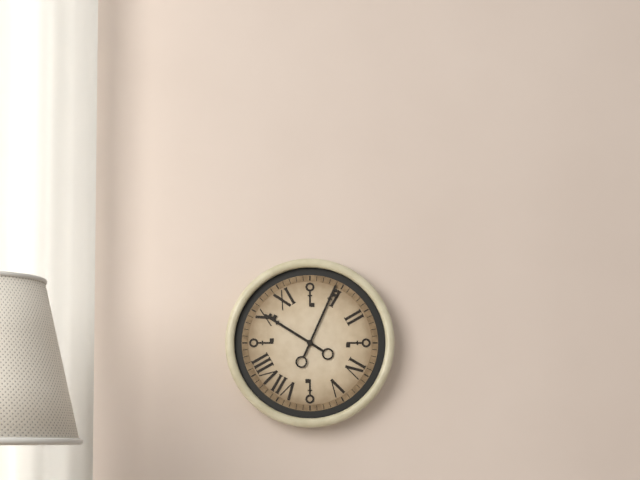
10:04
